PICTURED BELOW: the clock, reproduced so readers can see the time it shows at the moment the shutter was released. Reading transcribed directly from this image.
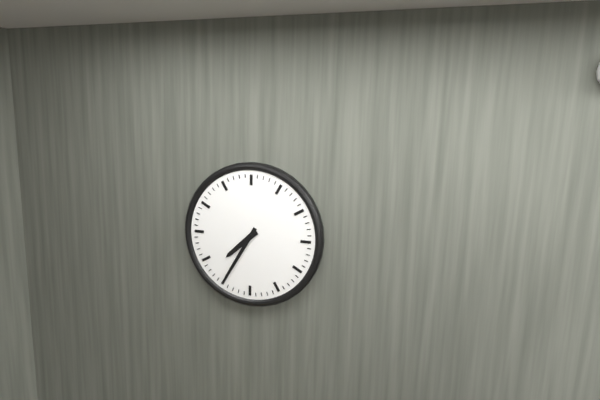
7:35
